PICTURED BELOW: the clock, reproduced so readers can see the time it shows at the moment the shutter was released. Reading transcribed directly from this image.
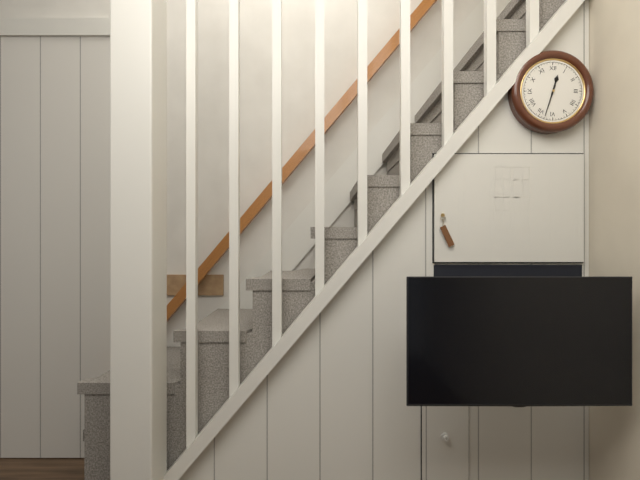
12:33
